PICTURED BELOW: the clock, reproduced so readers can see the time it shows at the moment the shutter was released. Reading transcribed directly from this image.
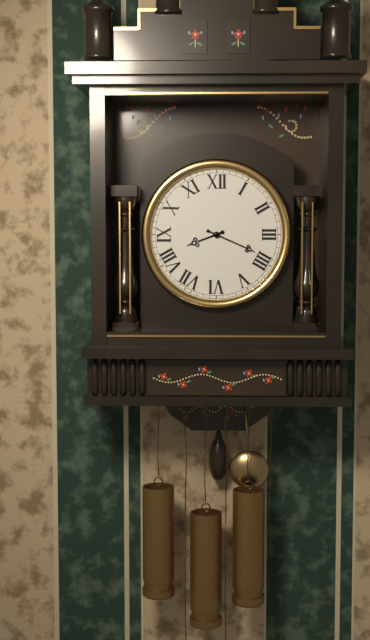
8:19
